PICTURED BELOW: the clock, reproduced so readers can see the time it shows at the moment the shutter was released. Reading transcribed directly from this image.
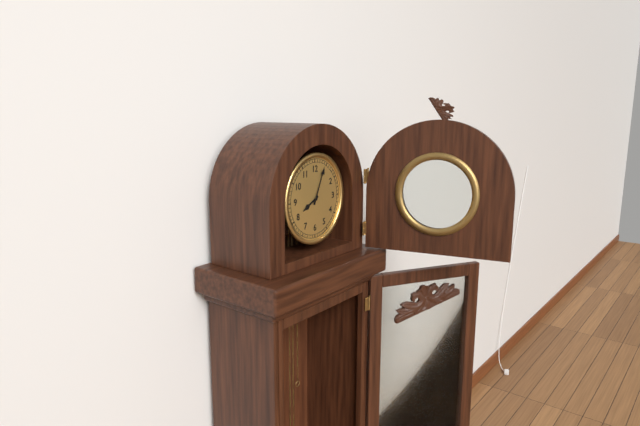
8:04
